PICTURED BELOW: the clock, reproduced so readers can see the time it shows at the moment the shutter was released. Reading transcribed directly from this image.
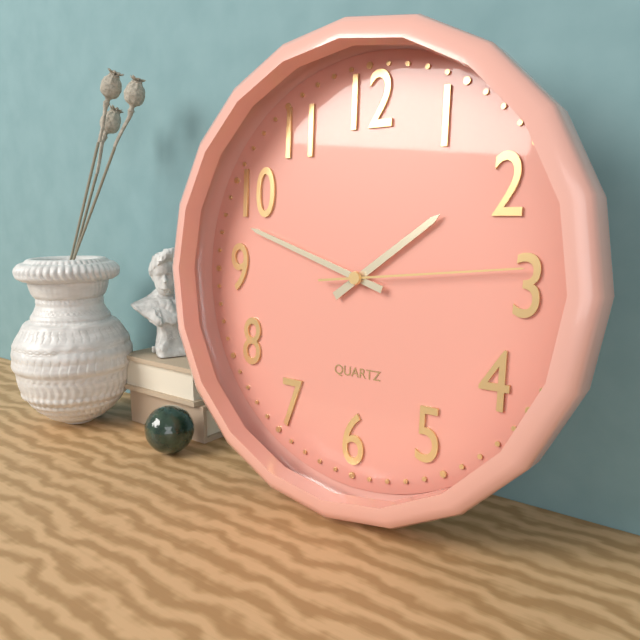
1:48:14
